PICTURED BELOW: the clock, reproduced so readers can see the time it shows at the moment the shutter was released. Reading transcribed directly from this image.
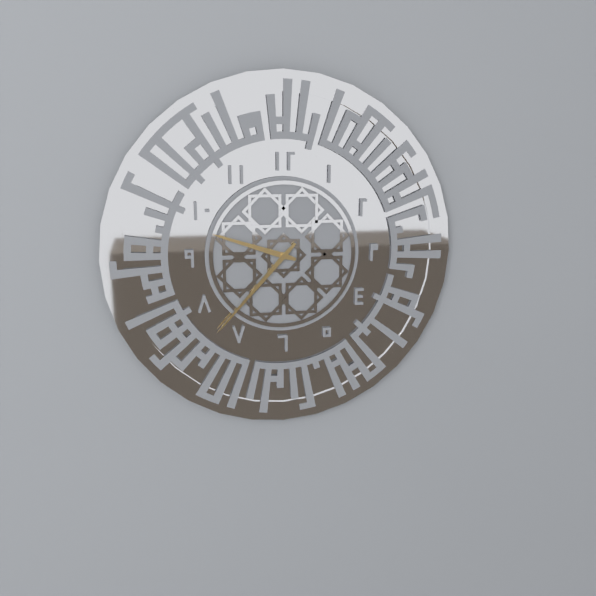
9:37
